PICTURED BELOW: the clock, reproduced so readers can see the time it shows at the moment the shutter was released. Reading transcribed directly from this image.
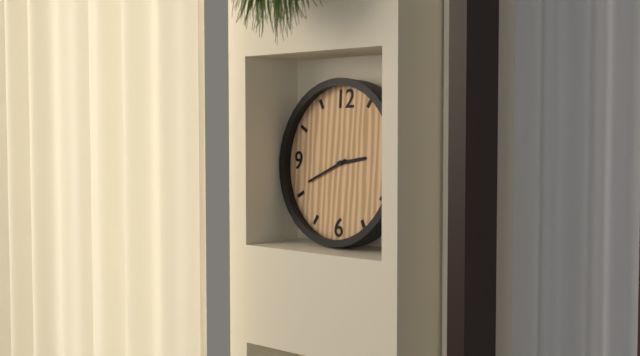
2:41
